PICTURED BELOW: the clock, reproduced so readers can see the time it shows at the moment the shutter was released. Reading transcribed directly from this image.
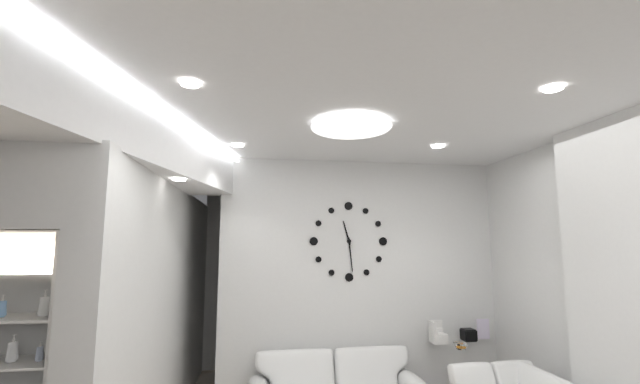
11:29
